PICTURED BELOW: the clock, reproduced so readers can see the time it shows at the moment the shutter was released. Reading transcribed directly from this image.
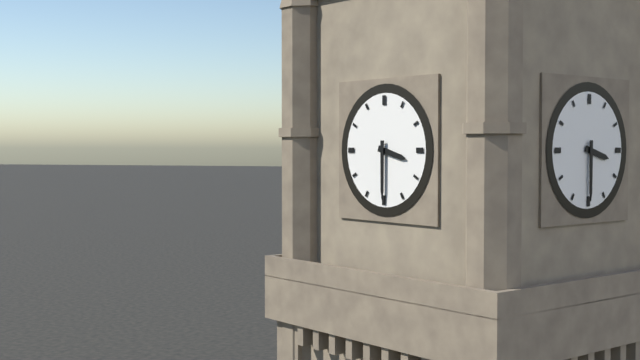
3:30
